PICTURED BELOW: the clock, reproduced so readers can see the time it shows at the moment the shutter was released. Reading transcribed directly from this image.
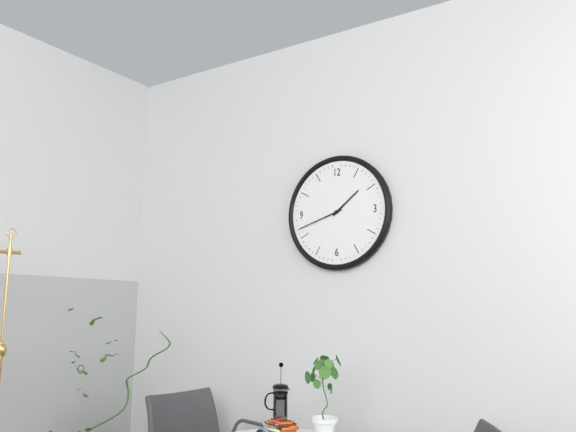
1:42
